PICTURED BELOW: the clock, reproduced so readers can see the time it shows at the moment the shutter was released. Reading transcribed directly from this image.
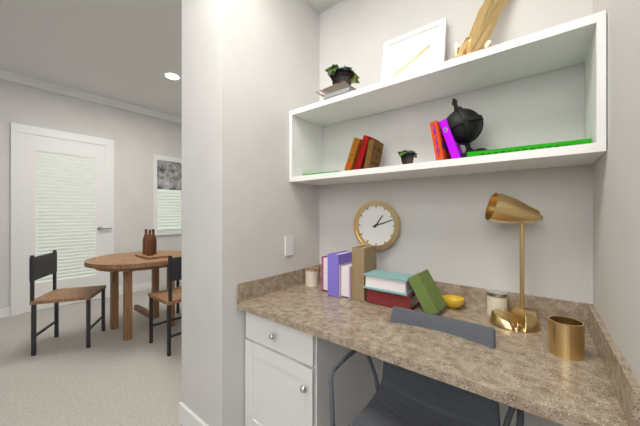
1:12
